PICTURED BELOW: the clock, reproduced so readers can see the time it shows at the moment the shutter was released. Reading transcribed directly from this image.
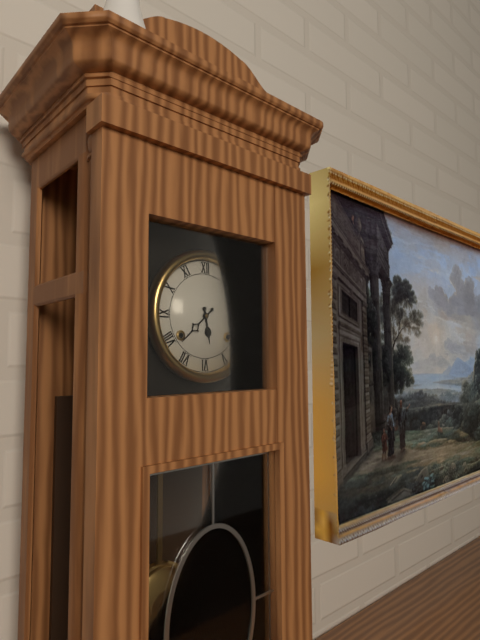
5:38
